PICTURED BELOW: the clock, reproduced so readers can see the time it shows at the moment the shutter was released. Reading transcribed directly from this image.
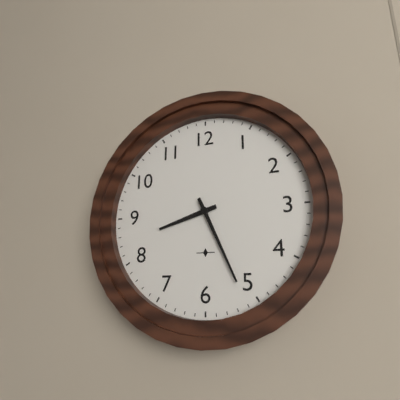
8:26
